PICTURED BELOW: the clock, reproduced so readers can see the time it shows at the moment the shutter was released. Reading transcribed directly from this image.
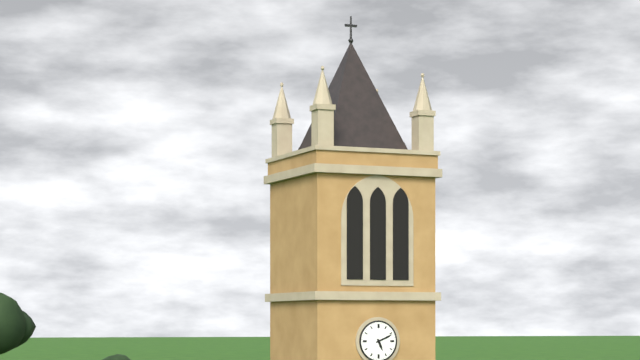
5:11
